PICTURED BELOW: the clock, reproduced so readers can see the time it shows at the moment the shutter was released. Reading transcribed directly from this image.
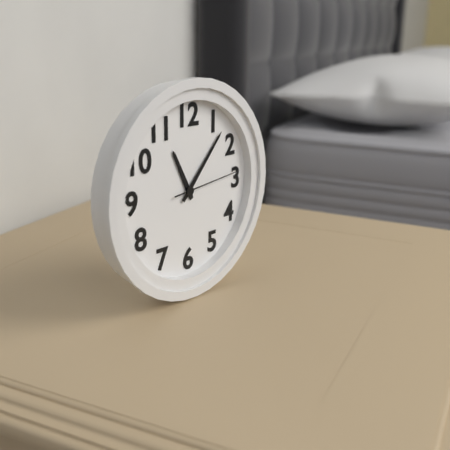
11:07:14
